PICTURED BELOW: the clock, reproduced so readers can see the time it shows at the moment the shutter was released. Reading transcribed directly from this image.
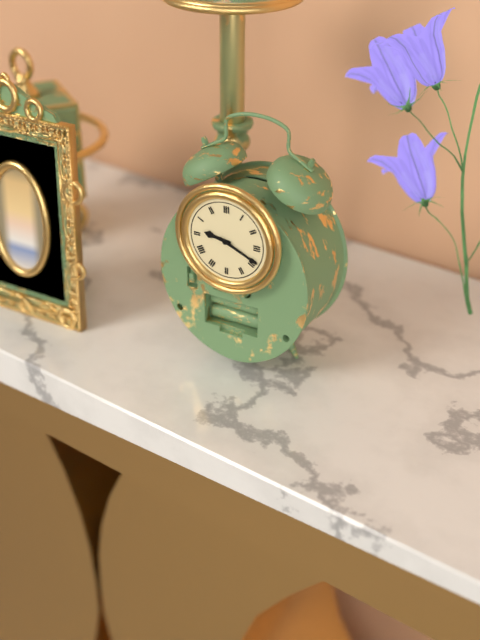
9:19
